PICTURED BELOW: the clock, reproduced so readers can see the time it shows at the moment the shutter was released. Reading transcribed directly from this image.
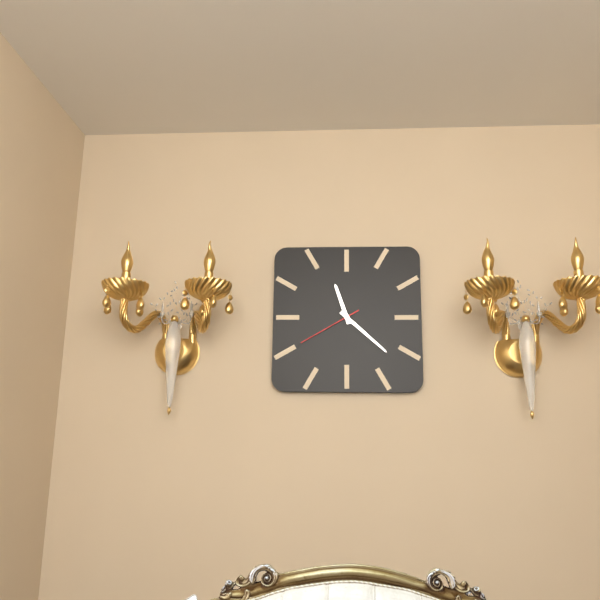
11:22:40
